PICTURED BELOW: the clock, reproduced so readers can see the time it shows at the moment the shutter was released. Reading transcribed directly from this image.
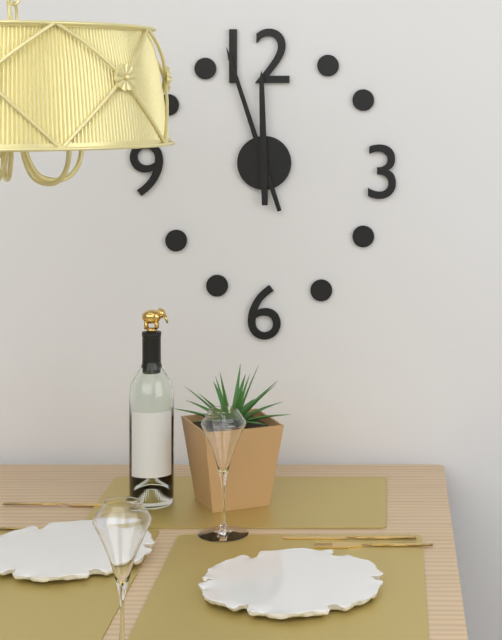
11:57
